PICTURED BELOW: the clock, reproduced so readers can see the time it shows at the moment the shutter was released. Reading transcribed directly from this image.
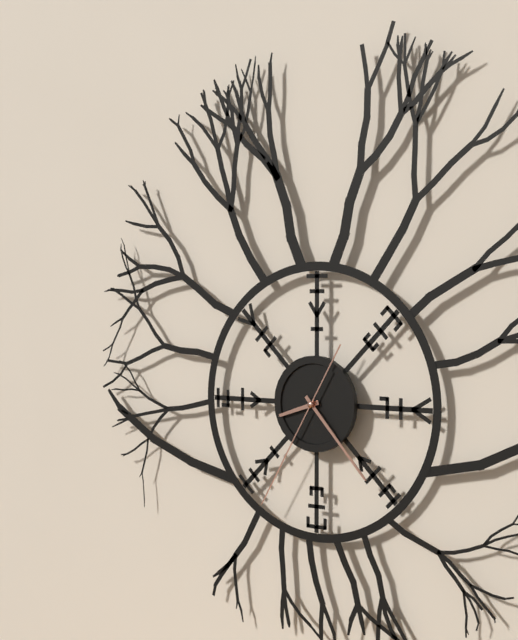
8:23:35
